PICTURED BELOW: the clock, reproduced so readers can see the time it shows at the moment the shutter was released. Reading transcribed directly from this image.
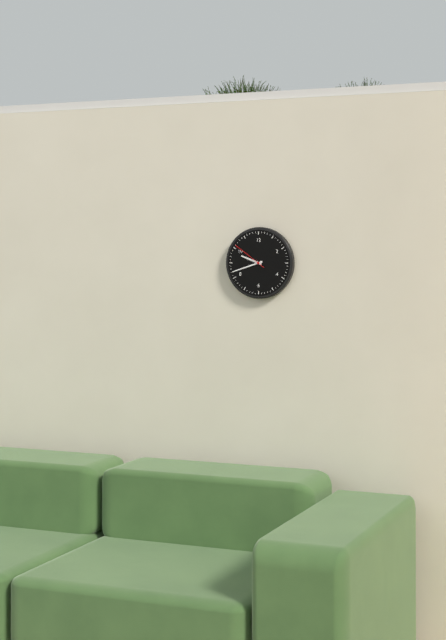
9:42
